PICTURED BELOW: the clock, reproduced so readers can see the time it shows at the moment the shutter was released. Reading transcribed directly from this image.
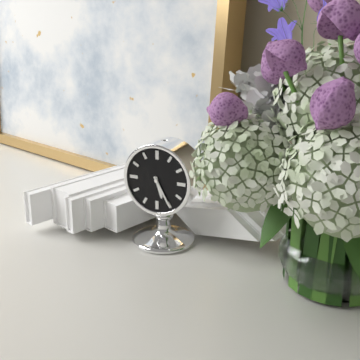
5:25
